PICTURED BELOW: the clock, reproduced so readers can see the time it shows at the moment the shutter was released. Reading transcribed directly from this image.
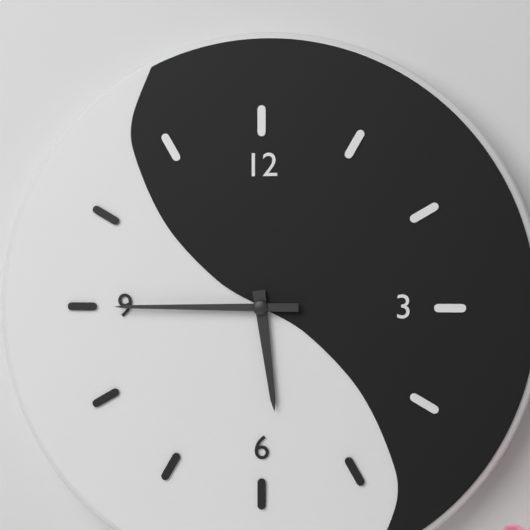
5:45
